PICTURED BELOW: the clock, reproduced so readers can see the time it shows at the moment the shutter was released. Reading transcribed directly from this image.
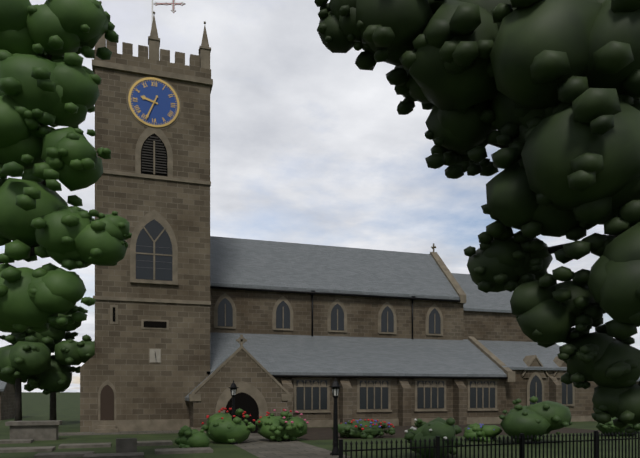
9:34
